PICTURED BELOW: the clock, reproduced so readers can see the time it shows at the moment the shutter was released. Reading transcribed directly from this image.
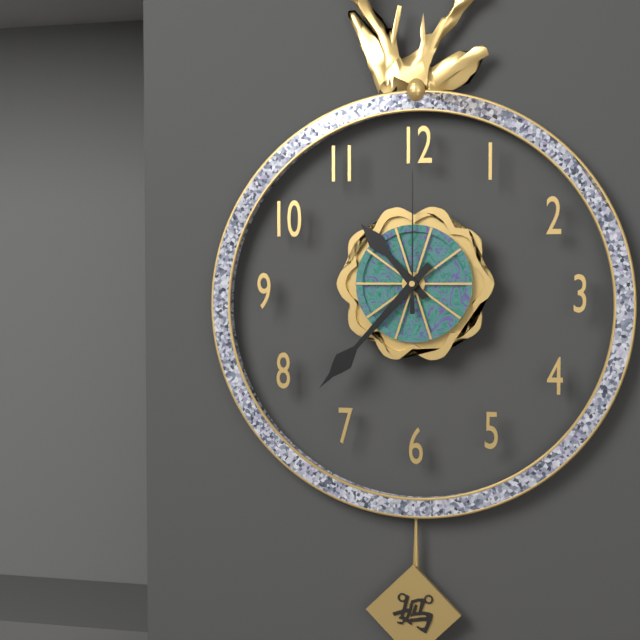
10:37:00
